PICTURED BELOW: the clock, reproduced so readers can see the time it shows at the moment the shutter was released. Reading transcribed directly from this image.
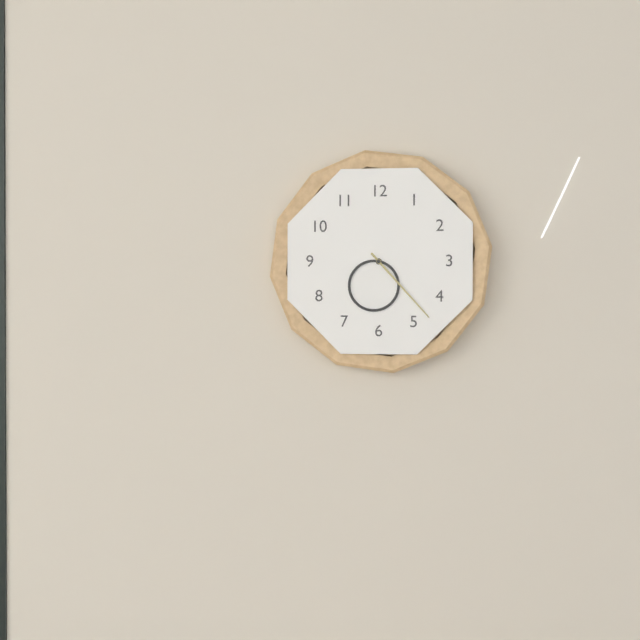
6:23
